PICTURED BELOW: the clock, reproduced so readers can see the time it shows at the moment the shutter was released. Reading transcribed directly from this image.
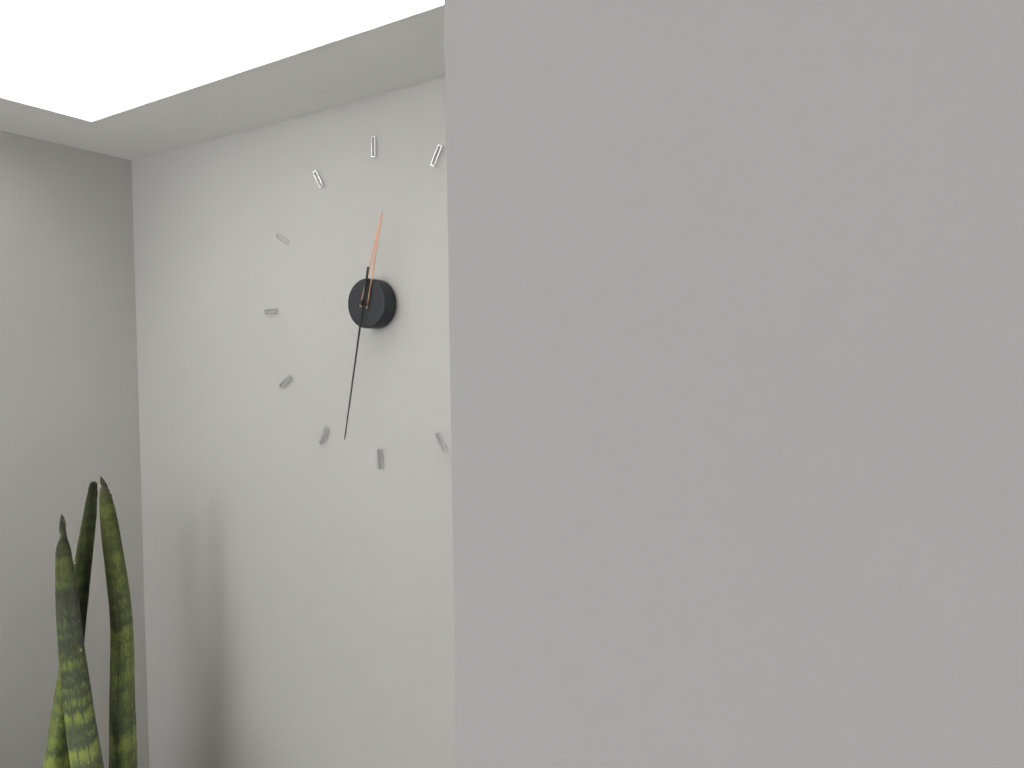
12:32
